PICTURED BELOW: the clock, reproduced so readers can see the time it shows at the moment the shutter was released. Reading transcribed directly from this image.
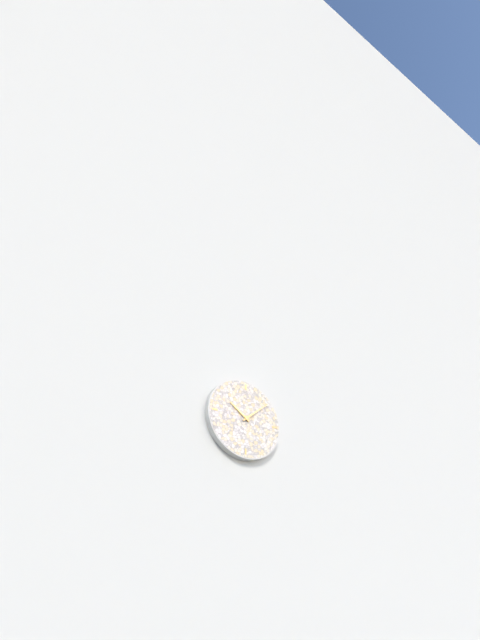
10:08
